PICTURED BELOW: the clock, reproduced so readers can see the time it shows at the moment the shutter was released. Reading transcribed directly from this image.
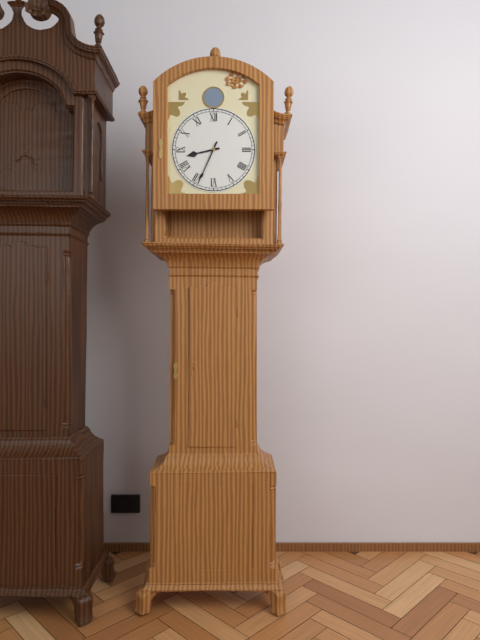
8:34
